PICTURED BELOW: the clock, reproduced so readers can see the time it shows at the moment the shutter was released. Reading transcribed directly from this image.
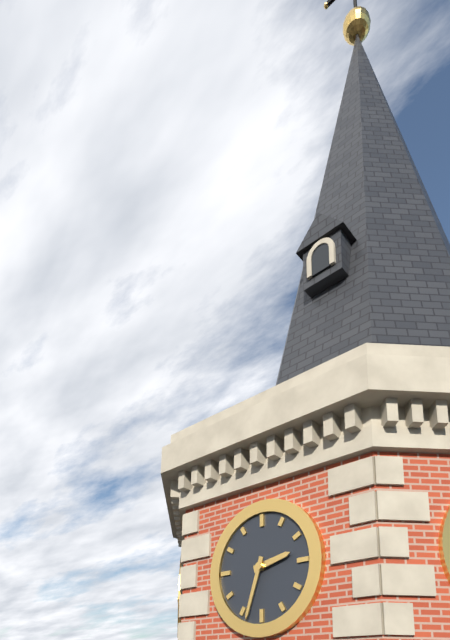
2:33
